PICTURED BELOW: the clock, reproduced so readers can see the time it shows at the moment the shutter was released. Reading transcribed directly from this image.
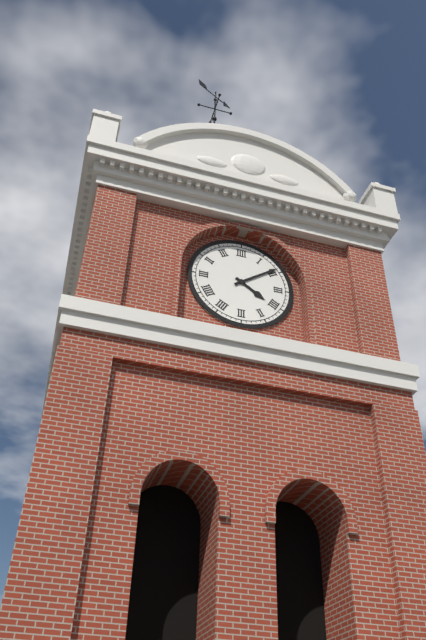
4:09
